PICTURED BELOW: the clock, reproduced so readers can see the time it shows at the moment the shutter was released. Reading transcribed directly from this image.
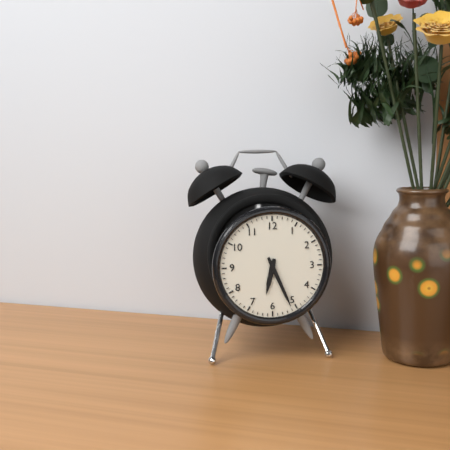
6:26
